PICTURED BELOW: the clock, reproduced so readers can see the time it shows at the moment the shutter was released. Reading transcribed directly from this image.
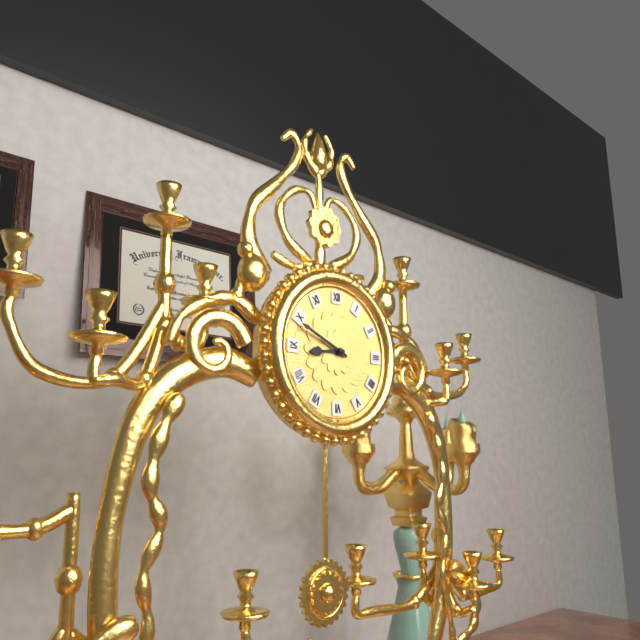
8:49
